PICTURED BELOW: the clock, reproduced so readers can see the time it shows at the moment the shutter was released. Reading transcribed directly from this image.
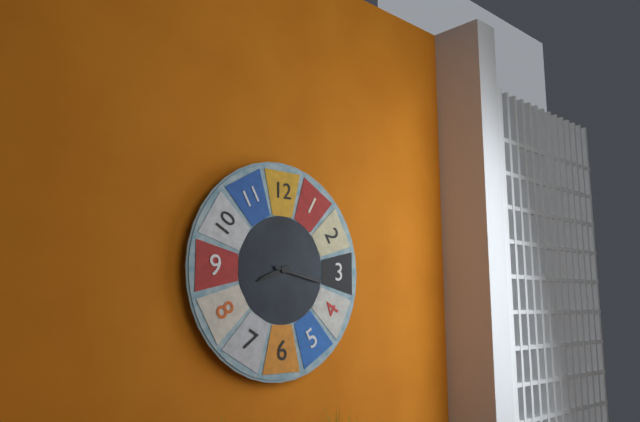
8:17
